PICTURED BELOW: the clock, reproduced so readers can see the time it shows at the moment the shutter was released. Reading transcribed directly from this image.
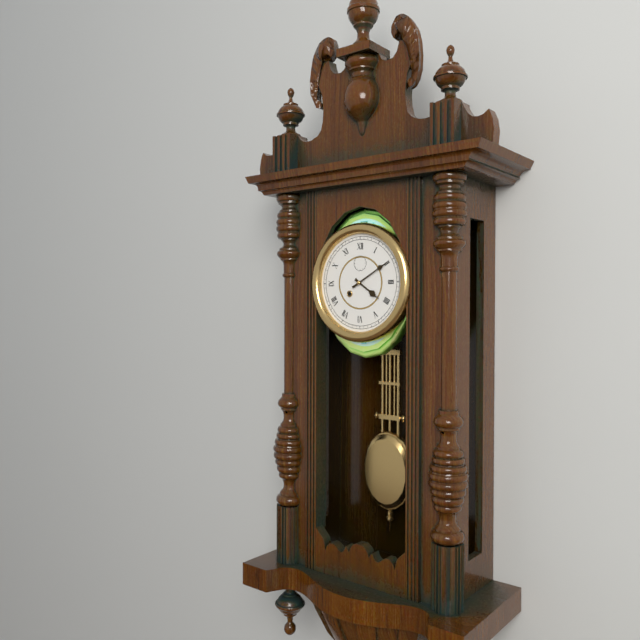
4:10
